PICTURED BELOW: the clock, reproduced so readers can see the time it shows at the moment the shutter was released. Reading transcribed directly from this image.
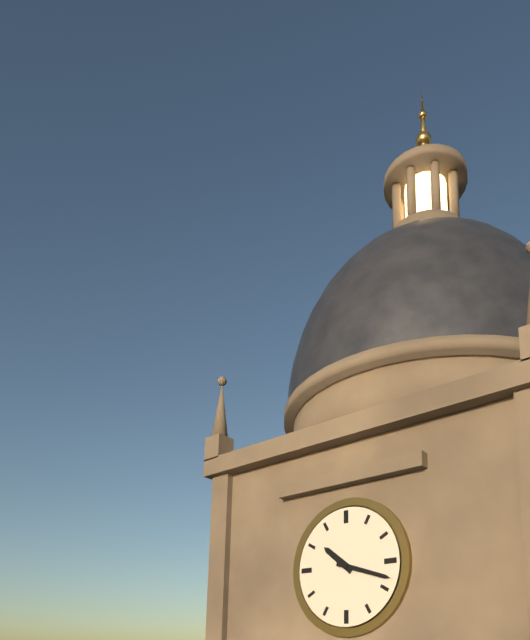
10:18
